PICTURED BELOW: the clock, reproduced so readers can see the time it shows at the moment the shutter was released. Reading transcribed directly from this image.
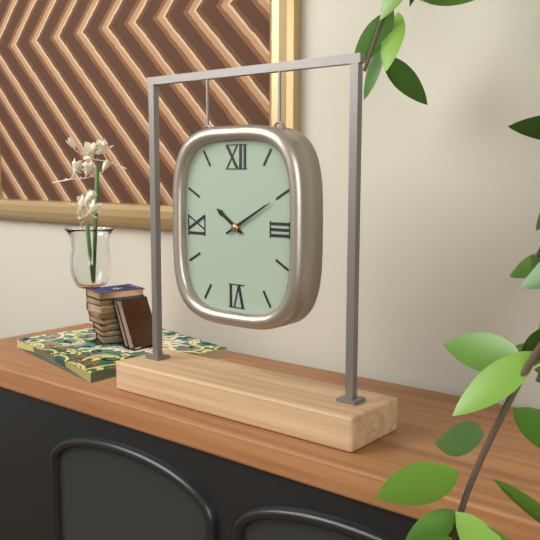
10:10
